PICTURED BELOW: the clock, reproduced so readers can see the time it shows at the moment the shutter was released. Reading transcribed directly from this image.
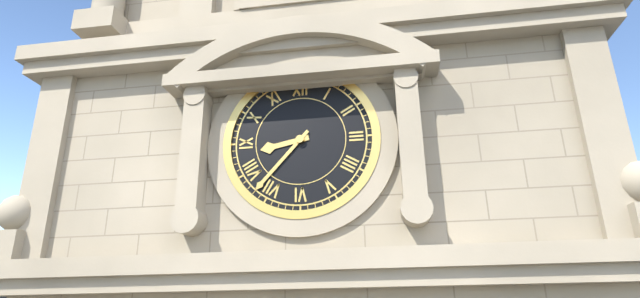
8:37
